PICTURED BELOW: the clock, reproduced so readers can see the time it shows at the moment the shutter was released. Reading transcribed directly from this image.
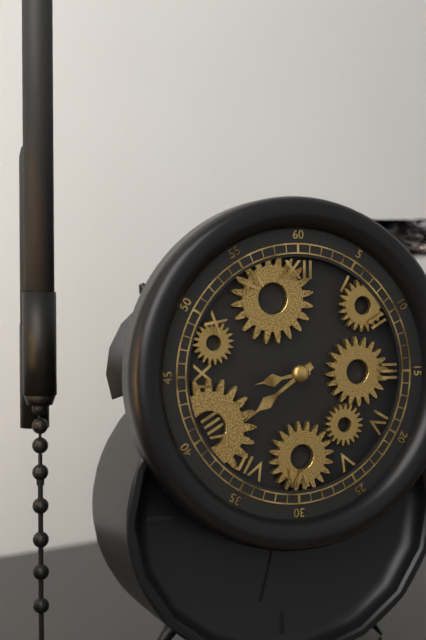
8:39
